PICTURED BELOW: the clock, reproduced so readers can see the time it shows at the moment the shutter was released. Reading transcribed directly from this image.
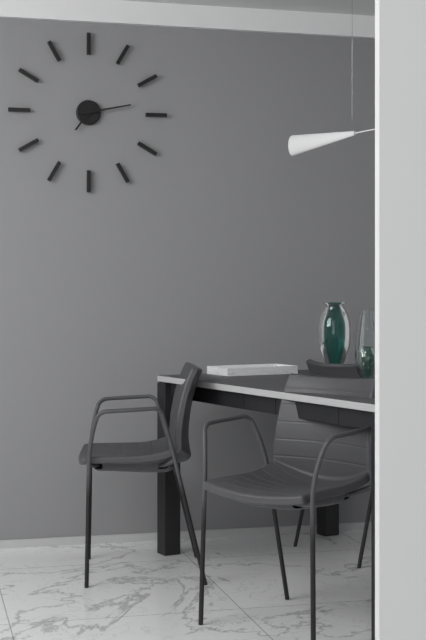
7:13
